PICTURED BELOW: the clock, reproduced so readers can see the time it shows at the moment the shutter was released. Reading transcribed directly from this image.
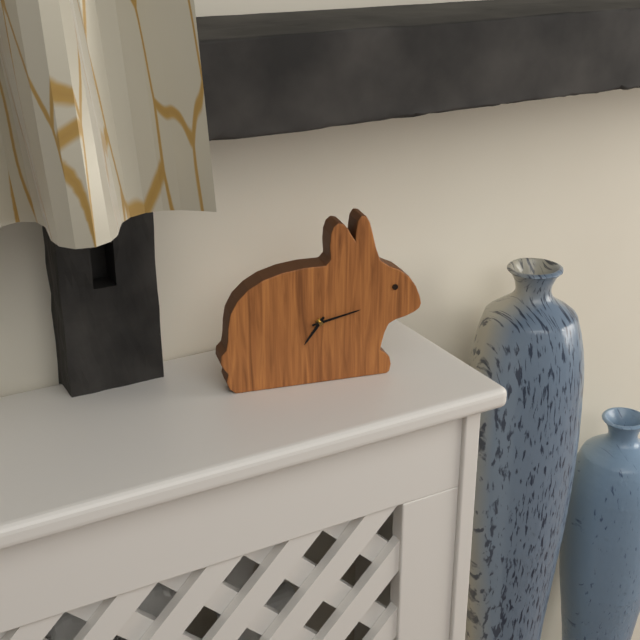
7:13
